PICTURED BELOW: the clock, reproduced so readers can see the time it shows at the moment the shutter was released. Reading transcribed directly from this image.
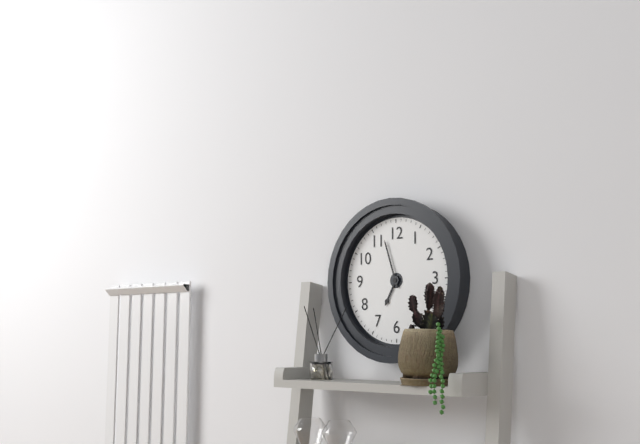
6:57
